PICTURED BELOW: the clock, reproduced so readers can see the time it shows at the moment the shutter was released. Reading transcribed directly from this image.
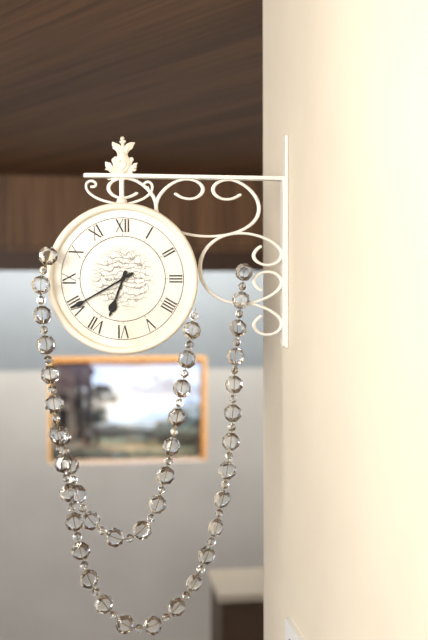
6:40
